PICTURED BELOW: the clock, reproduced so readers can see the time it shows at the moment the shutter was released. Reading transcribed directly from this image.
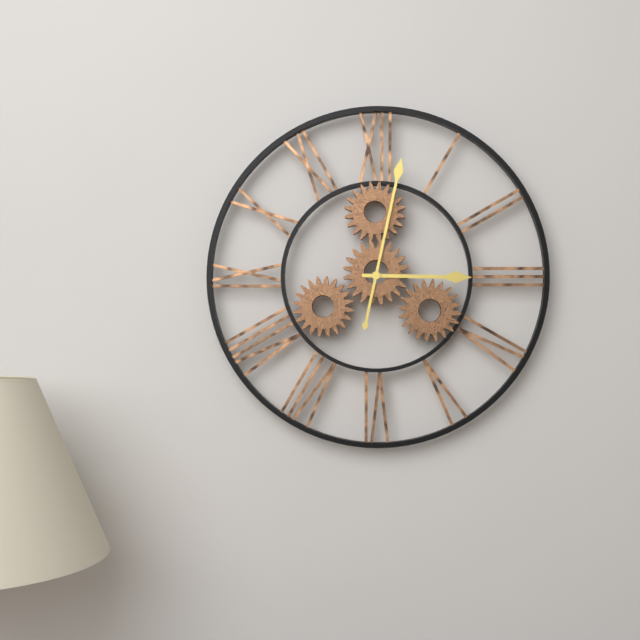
3:02
